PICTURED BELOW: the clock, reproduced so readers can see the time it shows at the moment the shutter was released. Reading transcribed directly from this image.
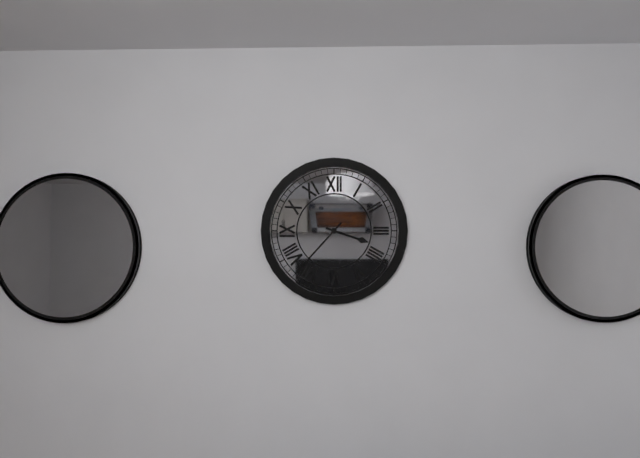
3:37
